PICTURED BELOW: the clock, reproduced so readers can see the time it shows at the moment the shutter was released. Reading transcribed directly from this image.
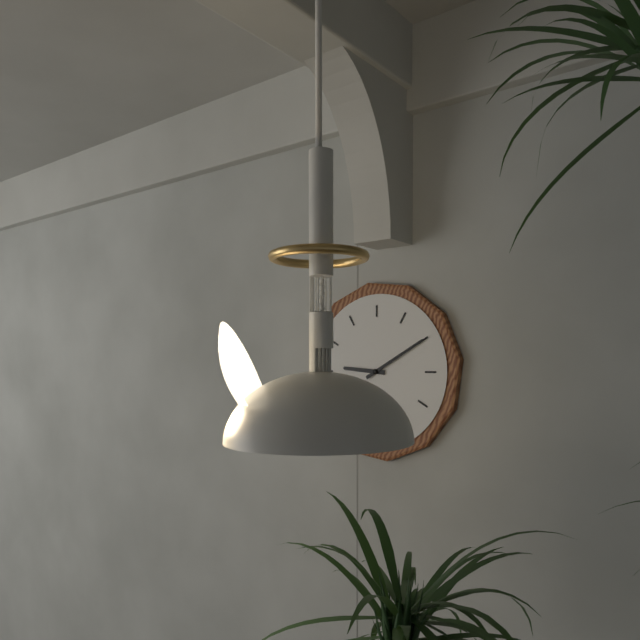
9:10
